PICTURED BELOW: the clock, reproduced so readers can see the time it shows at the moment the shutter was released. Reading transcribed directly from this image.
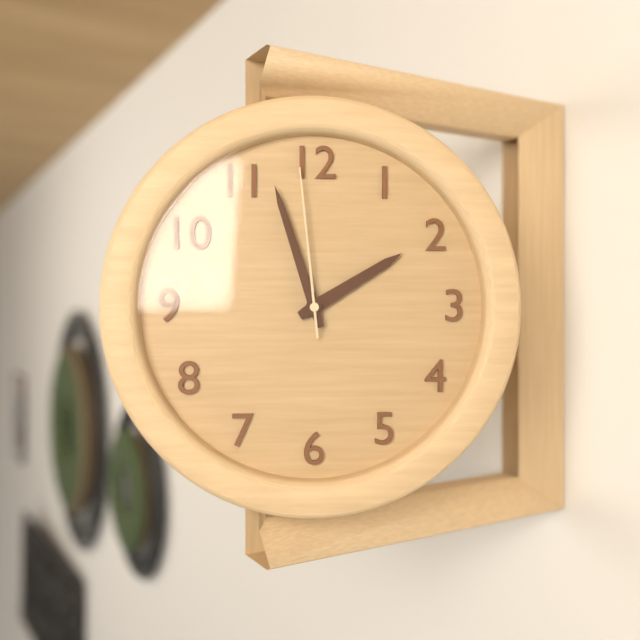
1:57:59
